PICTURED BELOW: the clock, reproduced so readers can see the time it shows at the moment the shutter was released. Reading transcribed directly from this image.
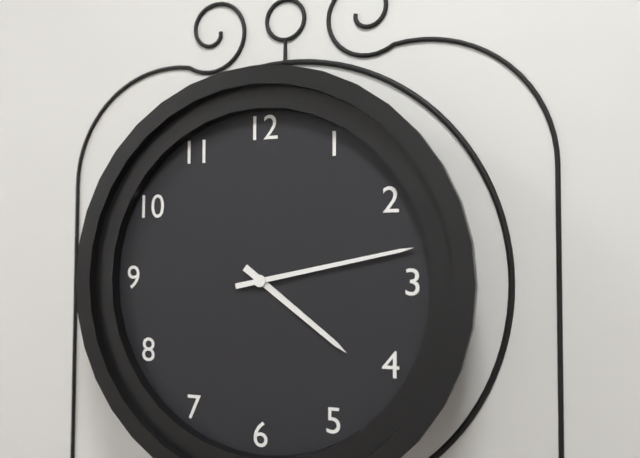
4:13
